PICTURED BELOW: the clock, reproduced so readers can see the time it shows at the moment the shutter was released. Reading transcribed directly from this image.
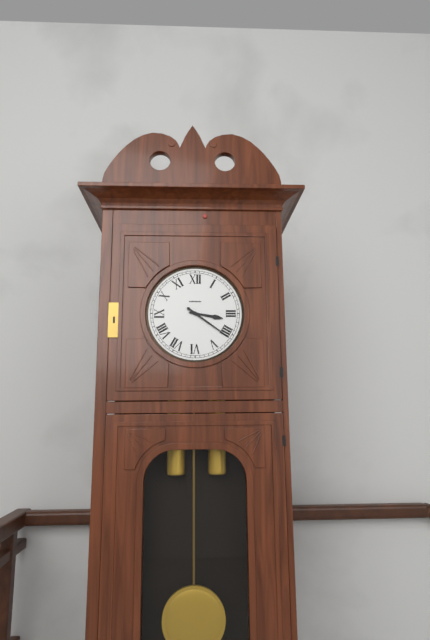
3:21
